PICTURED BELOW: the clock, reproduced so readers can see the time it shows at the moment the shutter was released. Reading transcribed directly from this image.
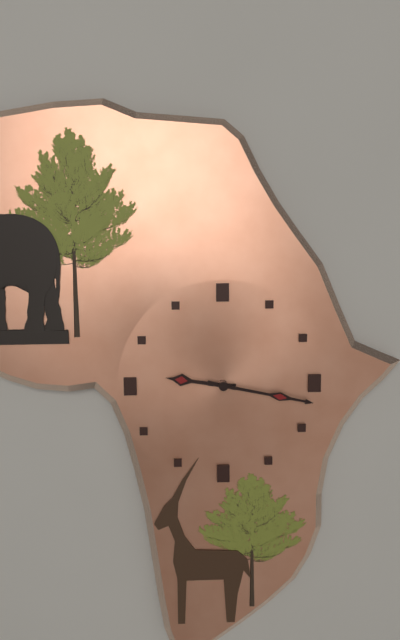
9:17
